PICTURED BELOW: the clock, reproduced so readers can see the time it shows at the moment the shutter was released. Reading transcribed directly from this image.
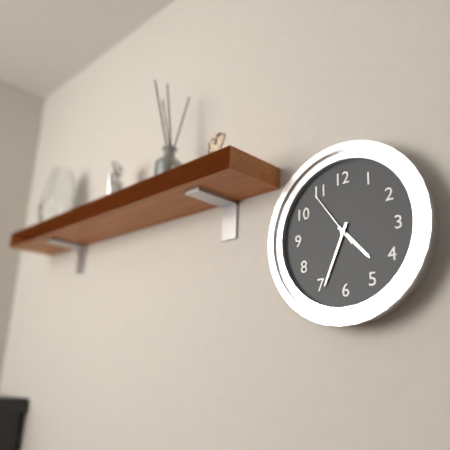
4:34:54
